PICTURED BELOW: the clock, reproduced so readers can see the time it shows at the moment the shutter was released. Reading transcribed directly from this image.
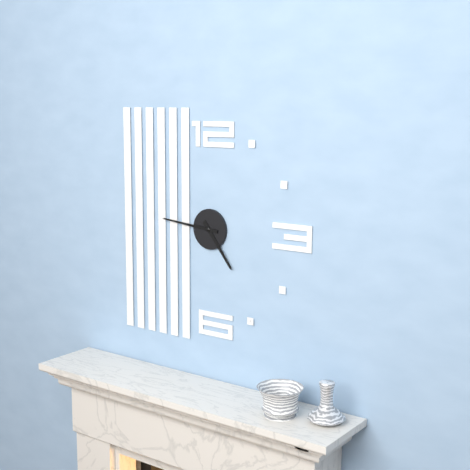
4:46
